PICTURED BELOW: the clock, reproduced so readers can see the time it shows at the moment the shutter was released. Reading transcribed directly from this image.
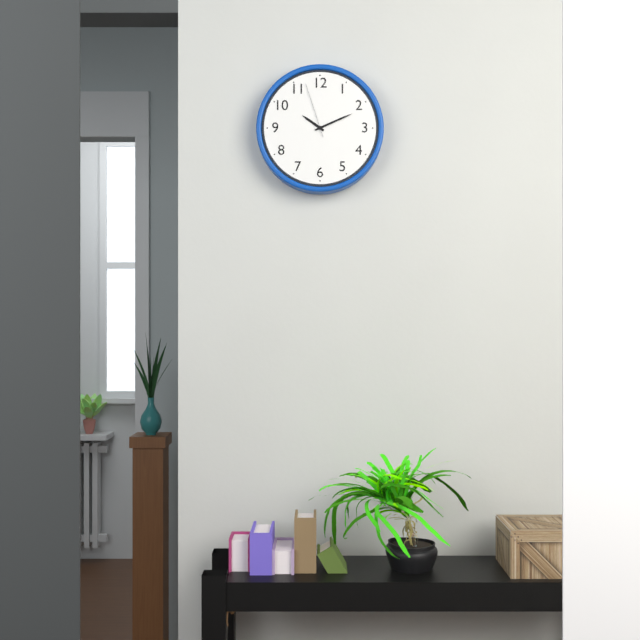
10:11:57
